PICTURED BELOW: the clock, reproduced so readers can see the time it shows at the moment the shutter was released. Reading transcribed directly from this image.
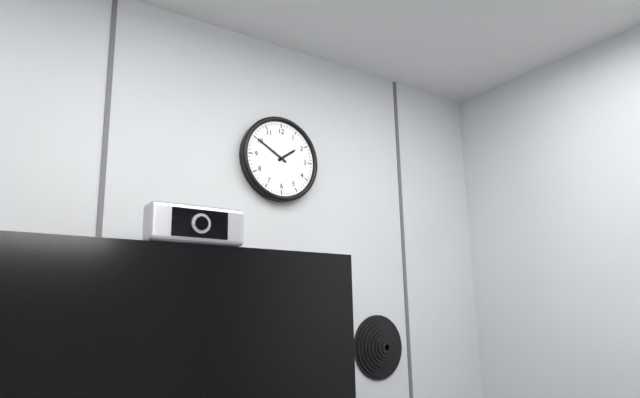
1:50
